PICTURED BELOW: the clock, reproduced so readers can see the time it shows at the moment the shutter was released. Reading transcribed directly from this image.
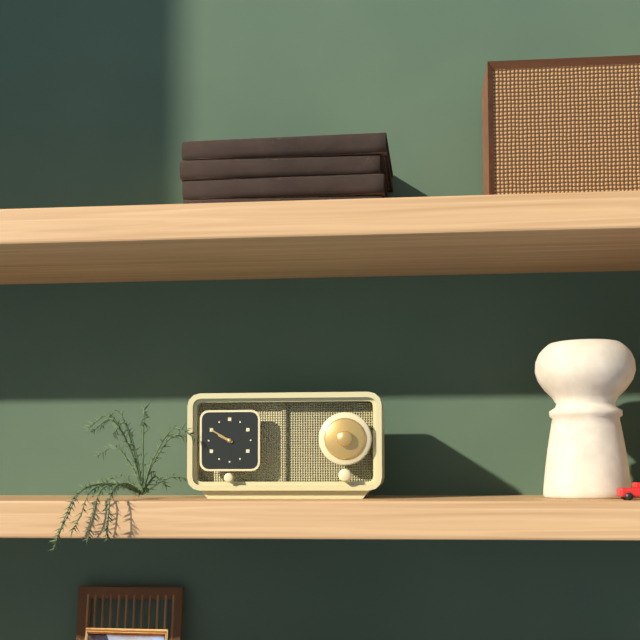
9:50
